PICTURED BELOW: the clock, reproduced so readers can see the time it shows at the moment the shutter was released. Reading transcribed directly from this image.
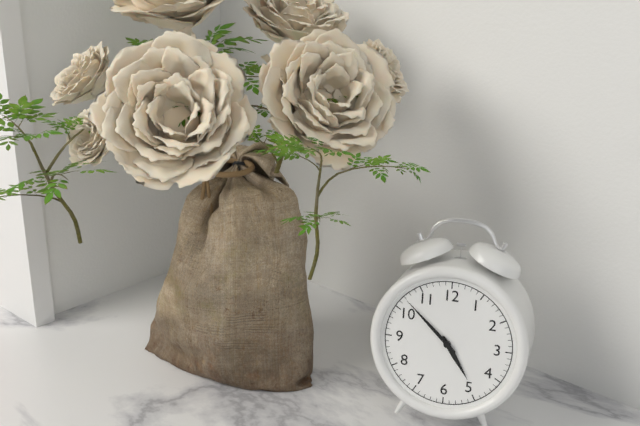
4:52
